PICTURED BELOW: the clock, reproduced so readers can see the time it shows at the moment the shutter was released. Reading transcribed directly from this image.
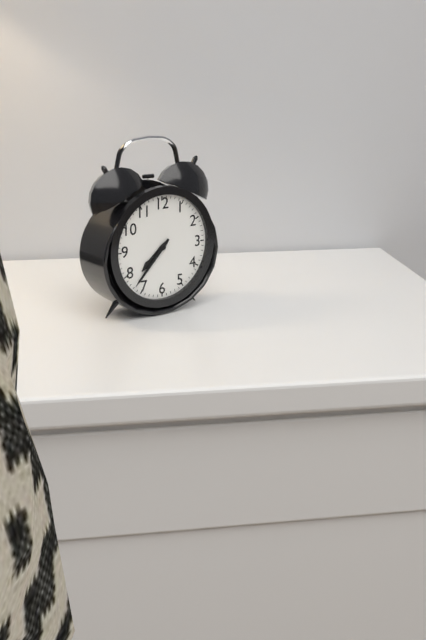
7:37
